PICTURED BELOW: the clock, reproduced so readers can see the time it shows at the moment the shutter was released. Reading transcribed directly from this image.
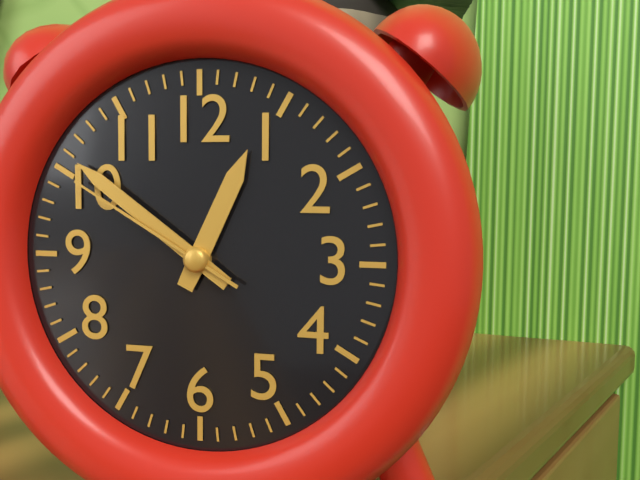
12:51:50
